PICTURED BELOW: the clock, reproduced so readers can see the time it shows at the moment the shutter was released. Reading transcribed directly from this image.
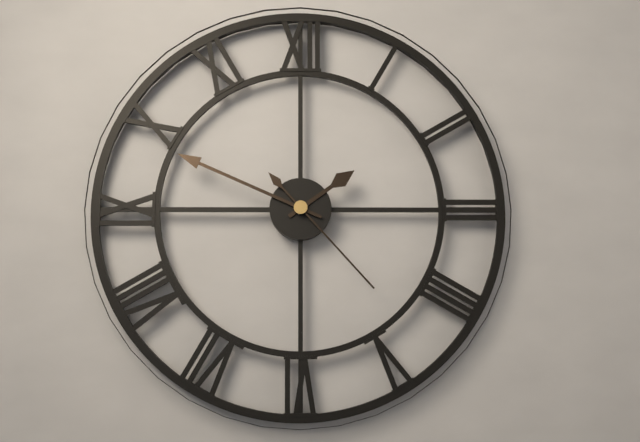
1:49:23
